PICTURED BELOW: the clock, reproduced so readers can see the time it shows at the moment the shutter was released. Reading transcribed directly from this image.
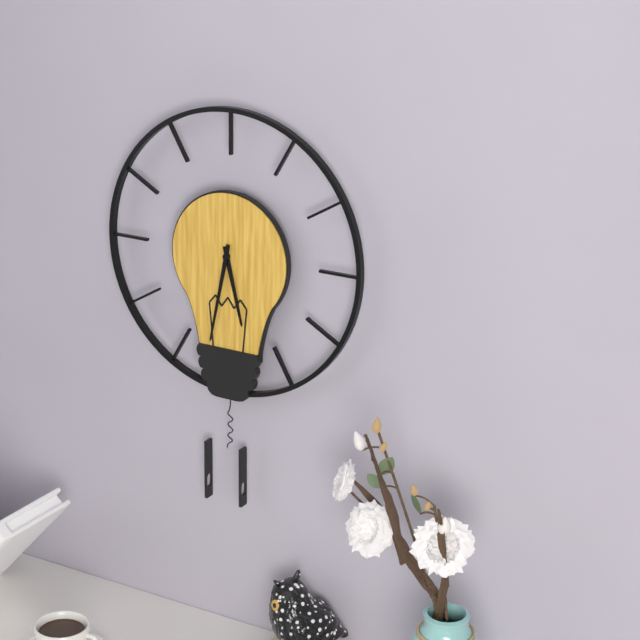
5:32
